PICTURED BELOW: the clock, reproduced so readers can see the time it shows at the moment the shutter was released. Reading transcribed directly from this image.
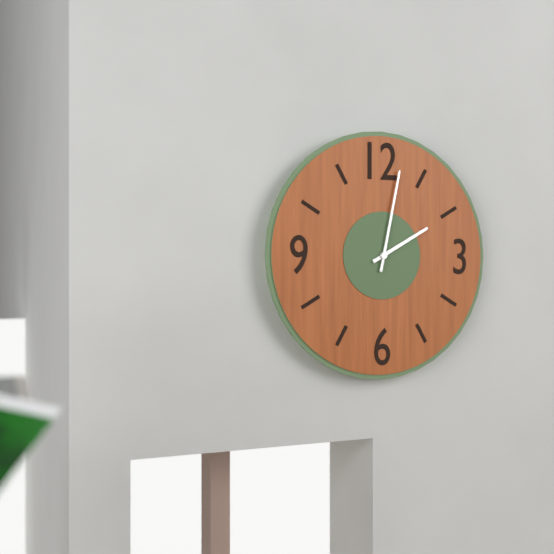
2:02
